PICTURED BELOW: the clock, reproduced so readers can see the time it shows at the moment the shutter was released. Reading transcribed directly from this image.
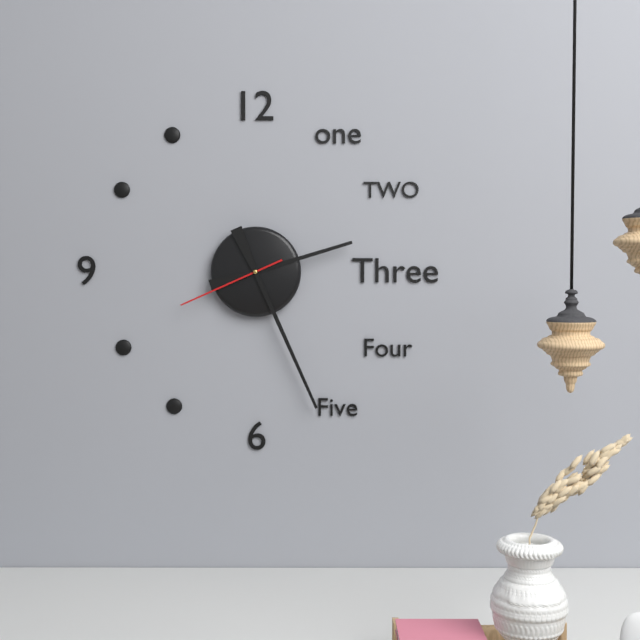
2:26:41
